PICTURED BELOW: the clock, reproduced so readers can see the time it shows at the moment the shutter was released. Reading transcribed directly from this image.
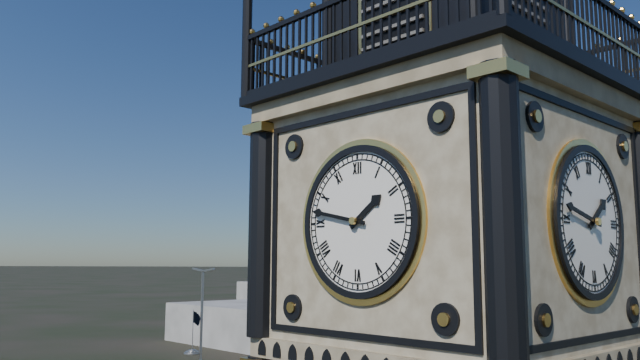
1:47
